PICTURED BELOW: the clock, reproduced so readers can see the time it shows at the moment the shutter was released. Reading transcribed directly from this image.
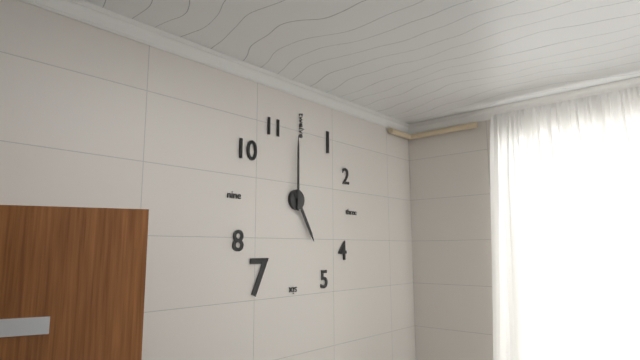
5:00
